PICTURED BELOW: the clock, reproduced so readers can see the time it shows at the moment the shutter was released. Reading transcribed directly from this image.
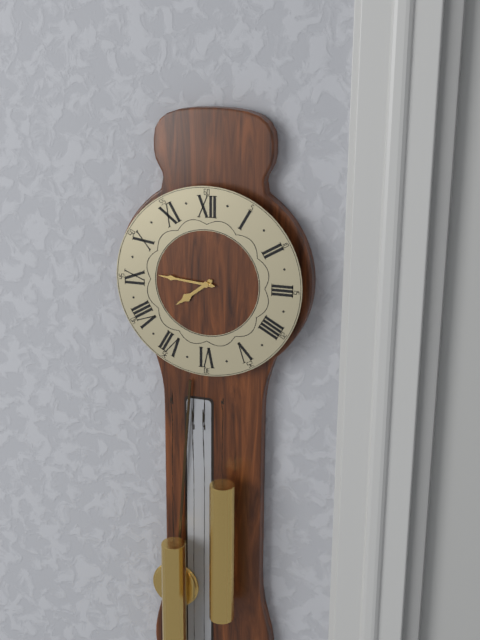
7:46
